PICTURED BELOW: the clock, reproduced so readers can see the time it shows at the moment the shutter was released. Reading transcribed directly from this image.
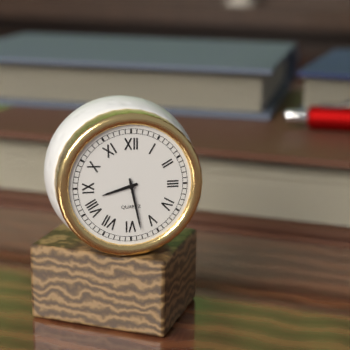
8:28
